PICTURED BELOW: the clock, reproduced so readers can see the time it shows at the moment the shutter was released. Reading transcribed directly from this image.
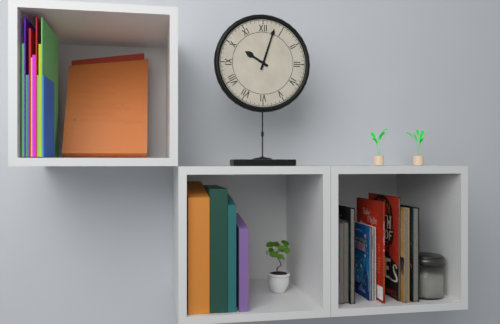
10:03
